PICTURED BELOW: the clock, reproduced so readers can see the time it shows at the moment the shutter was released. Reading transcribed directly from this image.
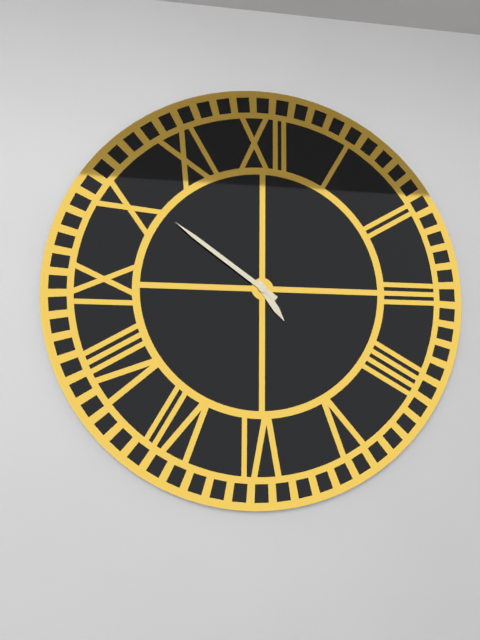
4:51
